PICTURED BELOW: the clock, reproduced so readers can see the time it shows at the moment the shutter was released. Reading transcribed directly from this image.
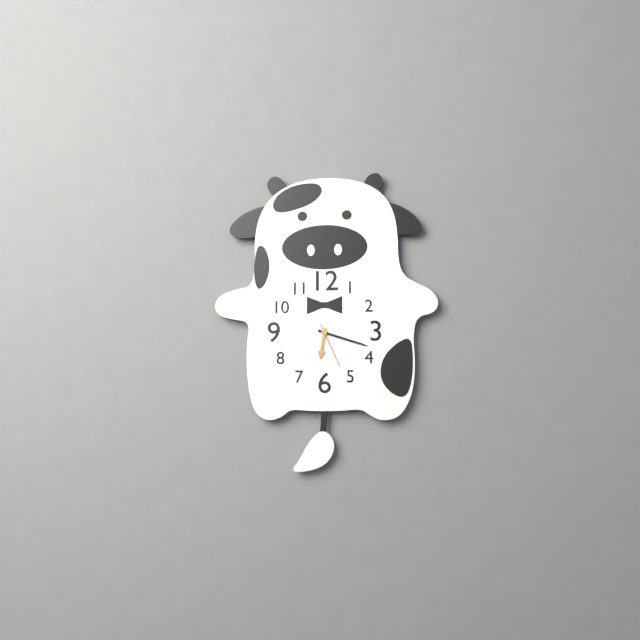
6:18
